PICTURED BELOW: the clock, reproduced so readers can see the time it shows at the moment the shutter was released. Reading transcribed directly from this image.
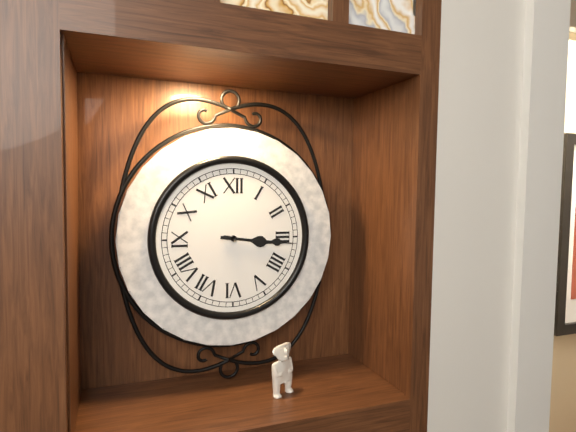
3:16
